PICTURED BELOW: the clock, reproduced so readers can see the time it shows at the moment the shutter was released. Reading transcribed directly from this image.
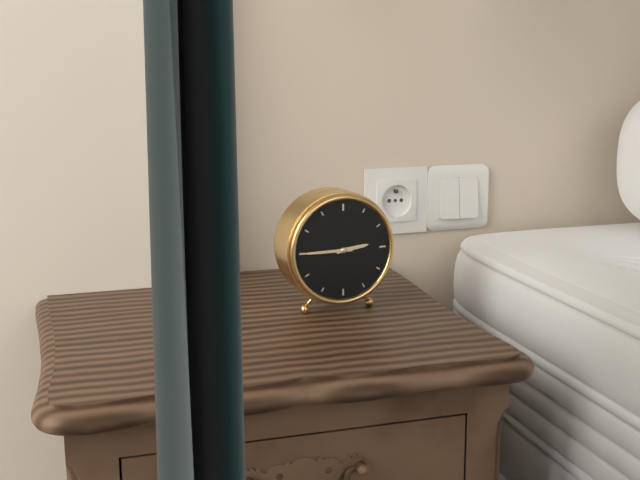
2:45
